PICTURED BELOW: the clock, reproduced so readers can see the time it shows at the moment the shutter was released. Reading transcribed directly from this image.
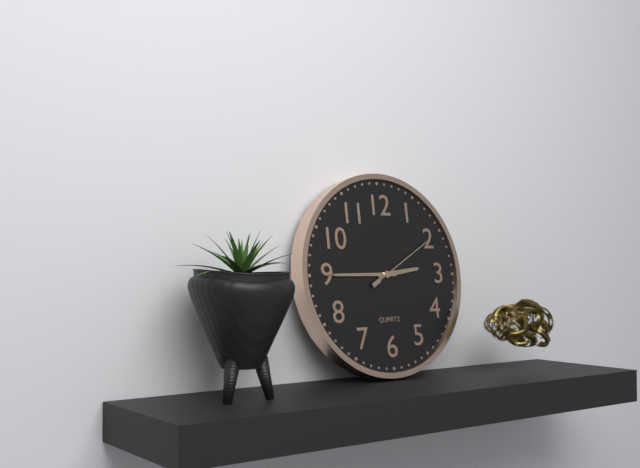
2:45:10
